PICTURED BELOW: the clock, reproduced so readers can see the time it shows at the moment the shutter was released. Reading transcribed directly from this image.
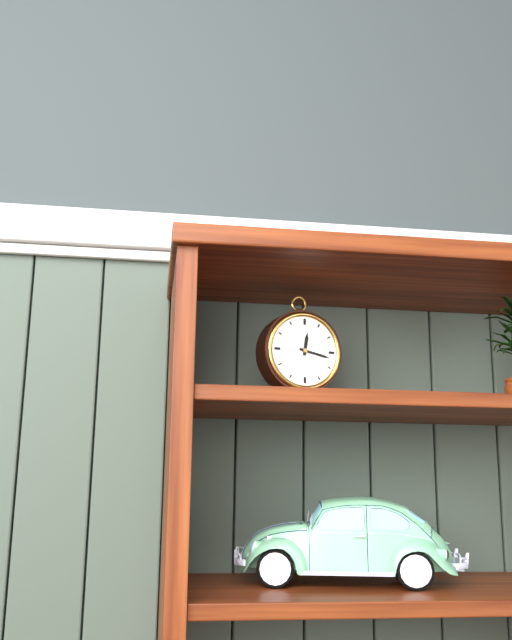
12:17
